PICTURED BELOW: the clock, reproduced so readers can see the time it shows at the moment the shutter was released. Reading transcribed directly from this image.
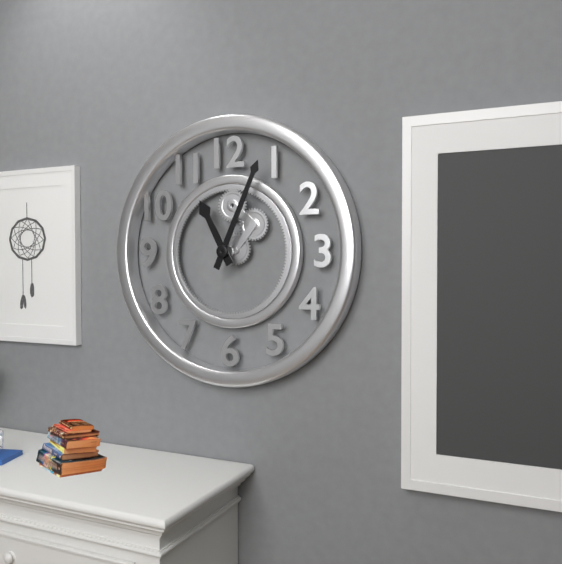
11:04
